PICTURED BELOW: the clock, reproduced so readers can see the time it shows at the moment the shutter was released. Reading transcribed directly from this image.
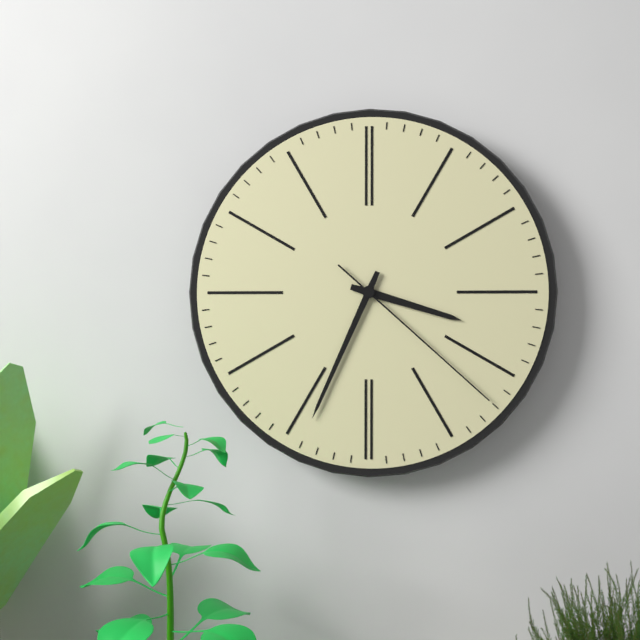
3:34:22
